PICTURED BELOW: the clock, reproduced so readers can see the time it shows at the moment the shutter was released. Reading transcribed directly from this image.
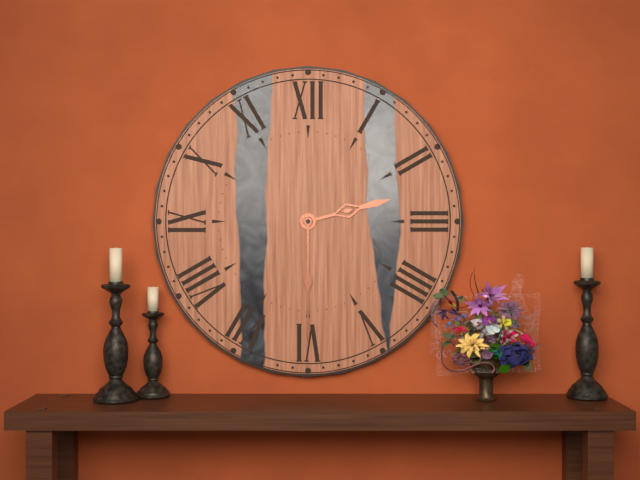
2:30
